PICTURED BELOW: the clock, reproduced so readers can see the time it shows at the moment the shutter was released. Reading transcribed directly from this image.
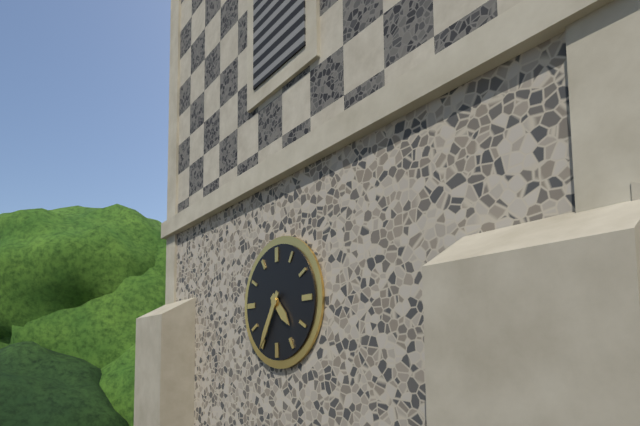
4:35
